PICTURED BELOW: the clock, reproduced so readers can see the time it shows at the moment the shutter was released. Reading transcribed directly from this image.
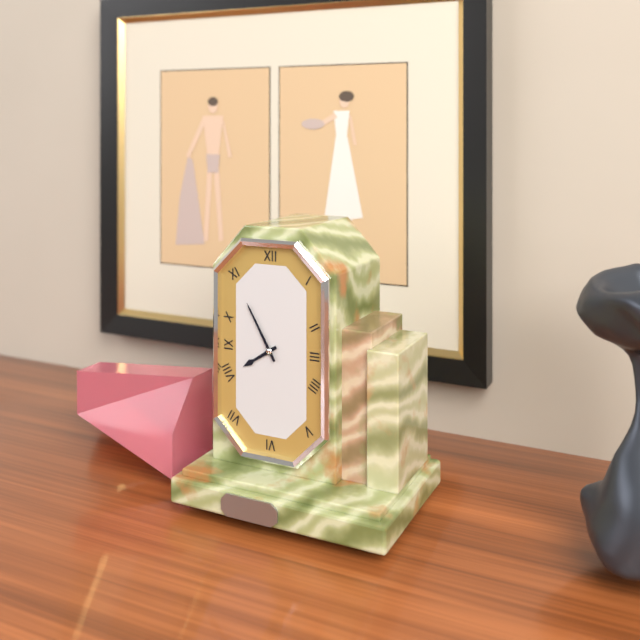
7:55
